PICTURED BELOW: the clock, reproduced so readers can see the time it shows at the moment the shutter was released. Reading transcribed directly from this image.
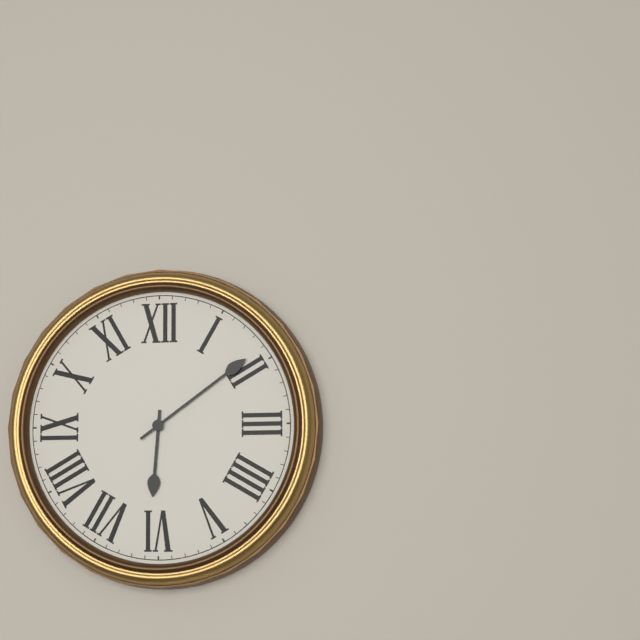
6:09
